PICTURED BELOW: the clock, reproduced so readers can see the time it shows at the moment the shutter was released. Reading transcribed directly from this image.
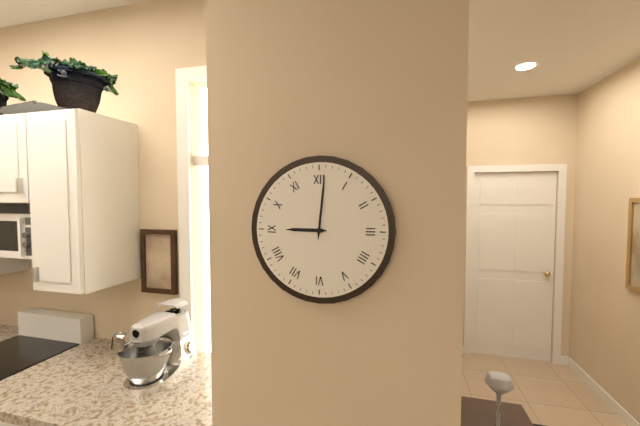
9:01
